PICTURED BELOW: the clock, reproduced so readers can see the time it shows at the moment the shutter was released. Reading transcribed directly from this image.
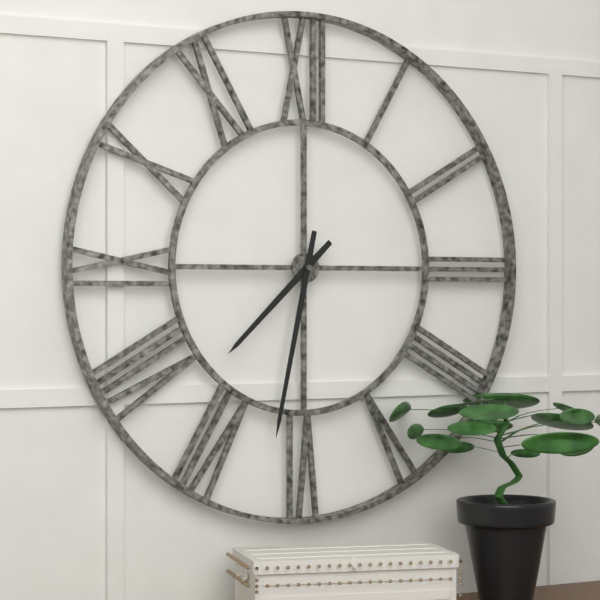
7:32
